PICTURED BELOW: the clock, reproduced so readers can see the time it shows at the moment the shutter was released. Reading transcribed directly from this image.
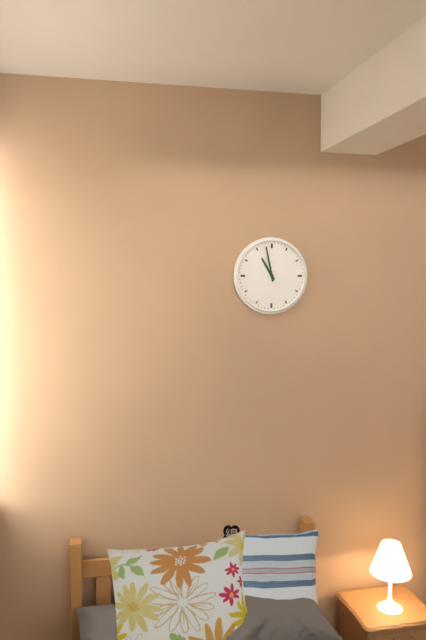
10:58
